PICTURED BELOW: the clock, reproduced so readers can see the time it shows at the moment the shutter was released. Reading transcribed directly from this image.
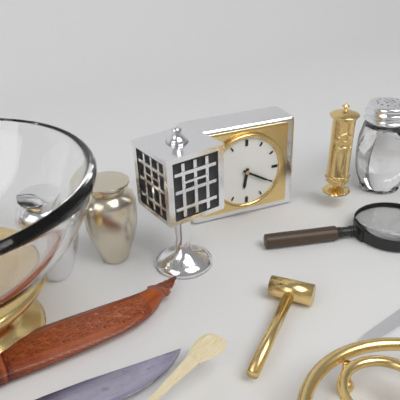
6:20
